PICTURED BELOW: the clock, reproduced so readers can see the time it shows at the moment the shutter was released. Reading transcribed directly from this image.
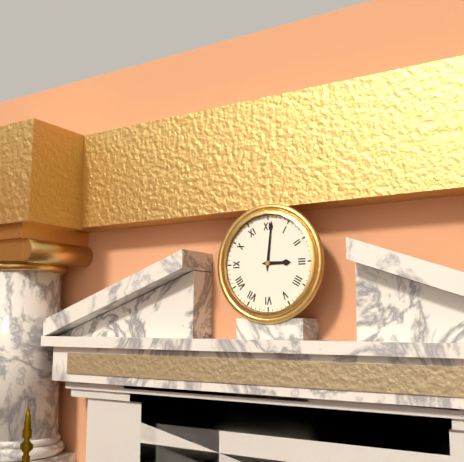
3:01
